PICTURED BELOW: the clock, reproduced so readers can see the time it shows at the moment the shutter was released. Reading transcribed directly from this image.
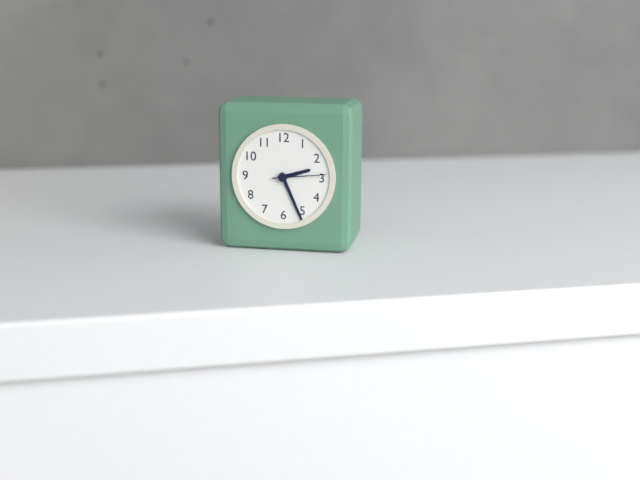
2:26:14
